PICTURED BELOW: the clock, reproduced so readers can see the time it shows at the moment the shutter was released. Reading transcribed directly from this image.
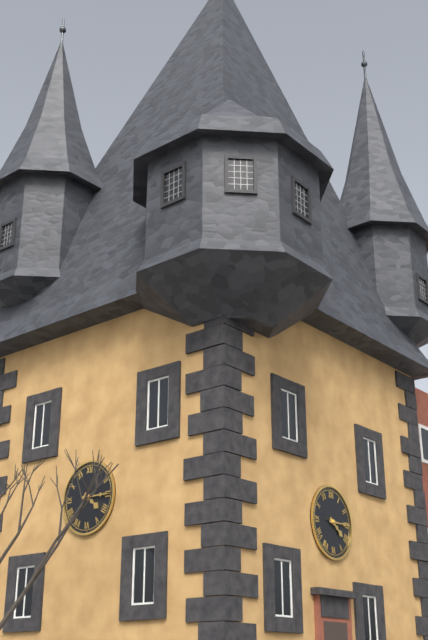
4:15
